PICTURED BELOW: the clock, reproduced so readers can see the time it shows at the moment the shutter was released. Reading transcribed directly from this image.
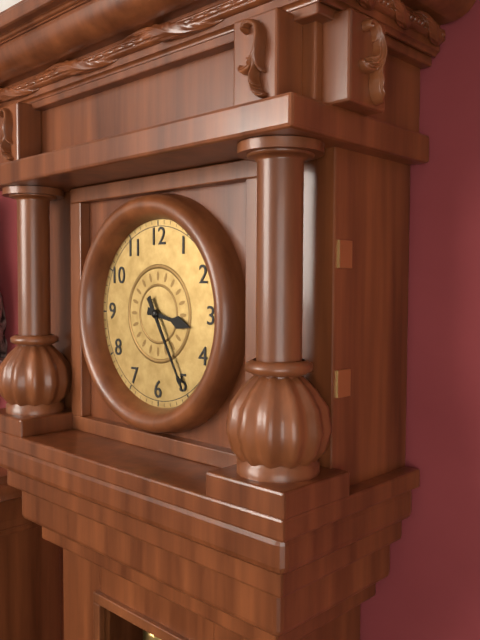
3:25
